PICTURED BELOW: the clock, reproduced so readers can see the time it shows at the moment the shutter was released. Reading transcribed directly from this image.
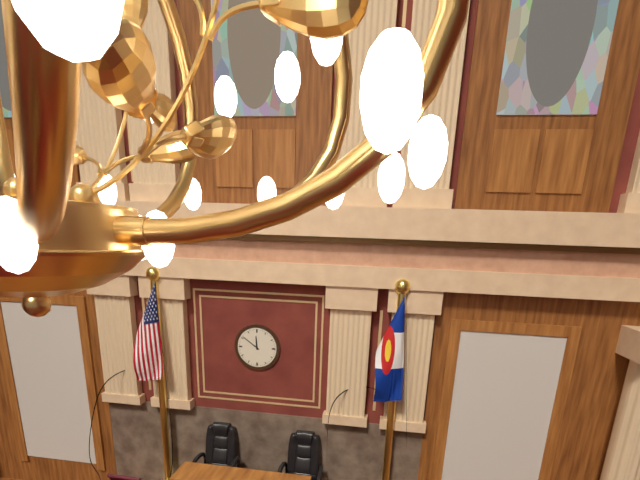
11:51
